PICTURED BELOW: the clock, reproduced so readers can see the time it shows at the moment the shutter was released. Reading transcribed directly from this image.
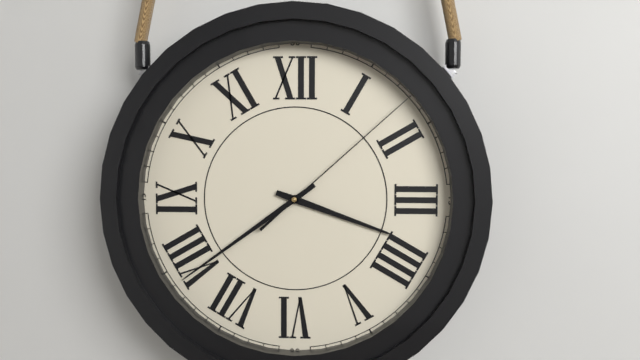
3:39:08
